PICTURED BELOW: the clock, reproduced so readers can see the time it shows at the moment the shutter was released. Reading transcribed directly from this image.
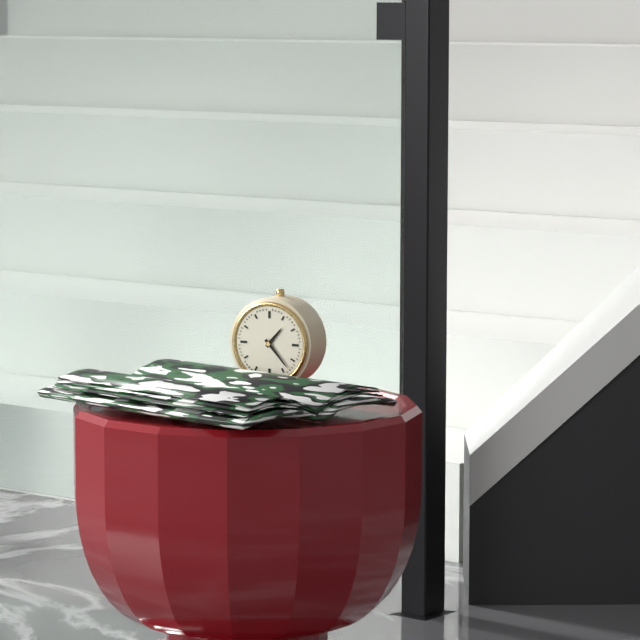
1:23
